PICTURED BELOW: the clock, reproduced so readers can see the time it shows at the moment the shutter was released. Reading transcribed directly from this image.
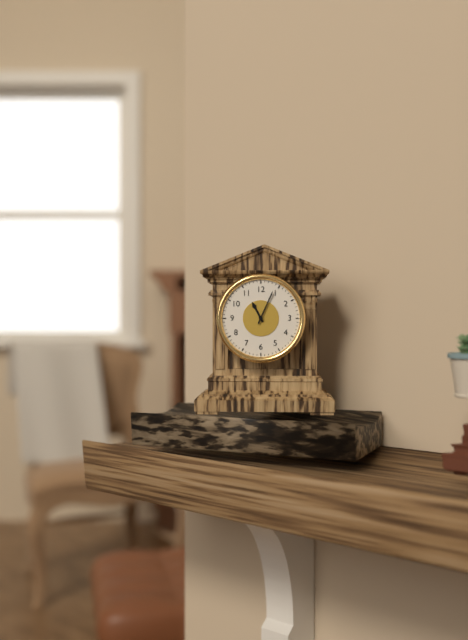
11:04
